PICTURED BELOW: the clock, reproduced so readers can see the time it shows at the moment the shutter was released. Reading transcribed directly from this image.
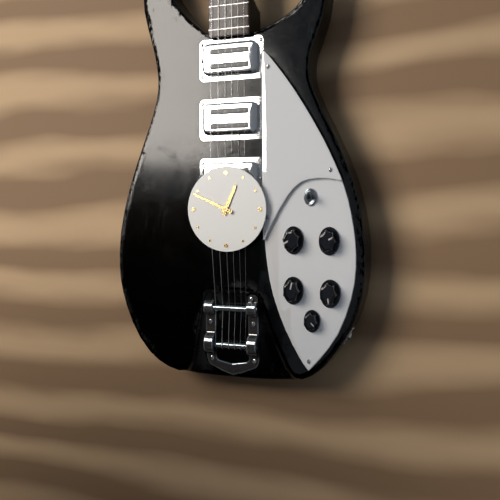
12:49
